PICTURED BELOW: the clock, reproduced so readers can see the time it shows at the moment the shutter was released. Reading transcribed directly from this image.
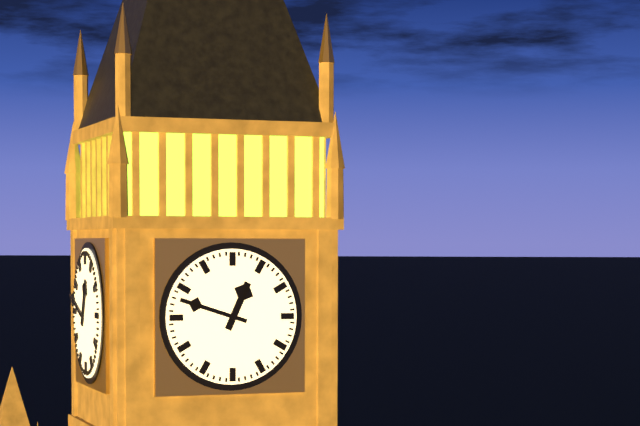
12:48
